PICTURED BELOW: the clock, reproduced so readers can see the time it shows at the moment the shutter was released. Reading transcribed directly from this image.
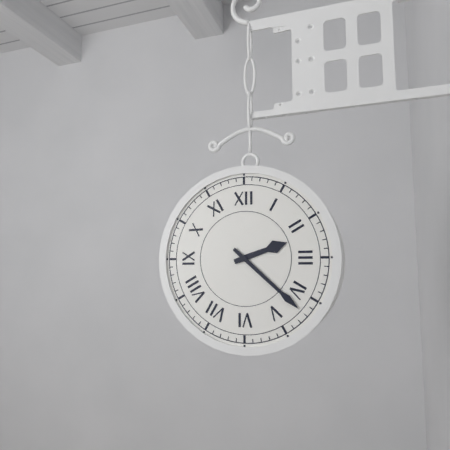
2:22
